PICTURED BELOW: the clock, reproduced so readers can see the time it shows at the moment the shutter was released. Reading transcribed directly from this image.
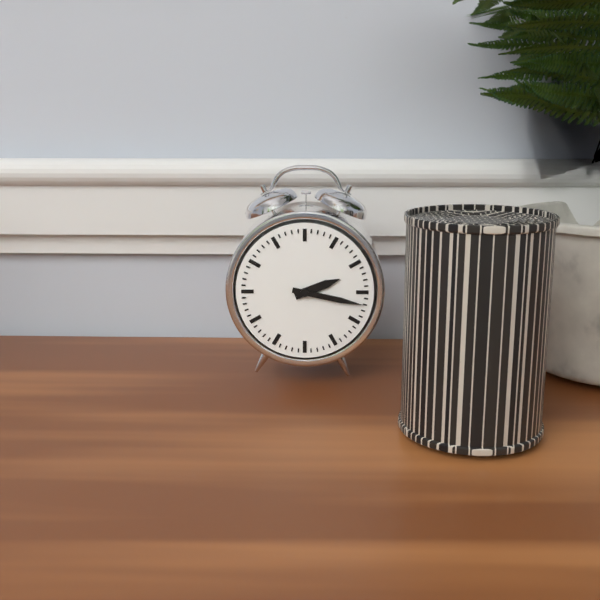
2:17
